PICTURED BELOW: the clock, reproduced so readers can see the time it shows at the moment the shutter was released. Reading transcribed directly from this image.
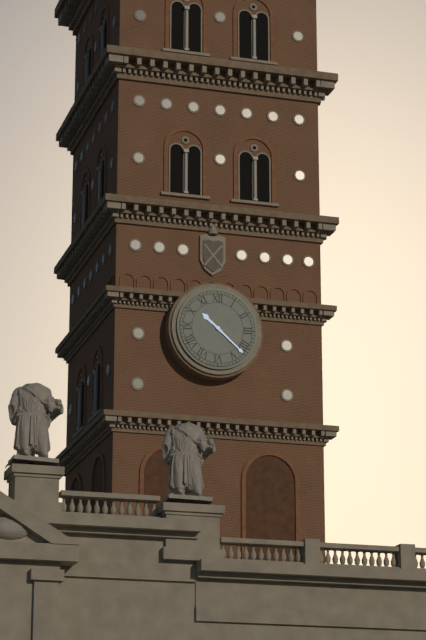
10:22
